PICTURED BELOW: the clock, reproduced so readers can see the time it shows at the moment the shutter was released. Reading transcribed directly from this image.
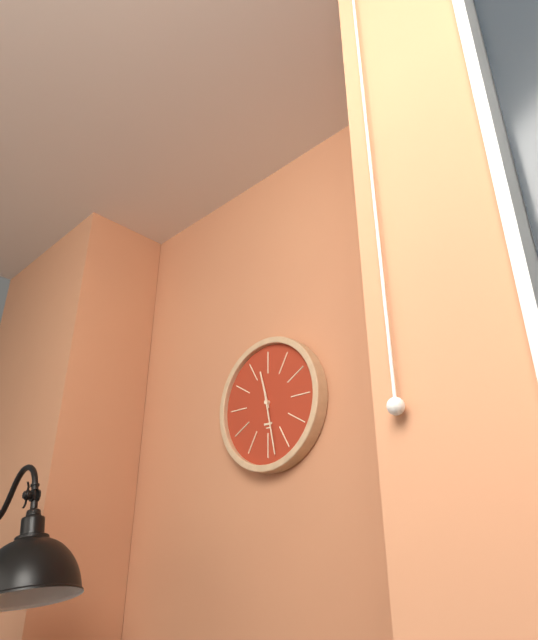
11:28
